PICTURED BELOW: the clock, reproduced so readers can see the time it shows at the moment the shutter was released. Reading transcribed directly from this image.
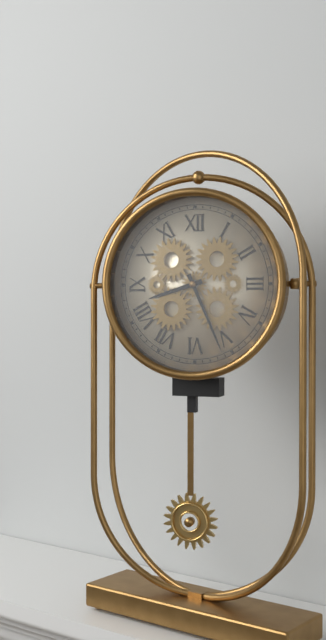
8:26
